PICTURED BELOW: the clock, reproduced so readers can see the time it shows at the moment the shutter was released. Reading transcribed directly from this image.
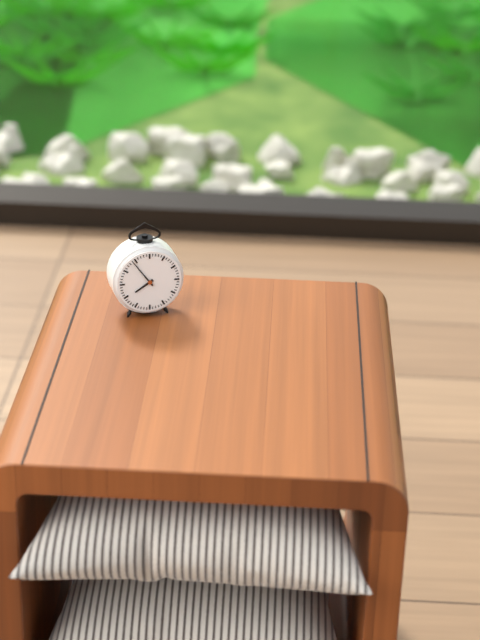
7:54
